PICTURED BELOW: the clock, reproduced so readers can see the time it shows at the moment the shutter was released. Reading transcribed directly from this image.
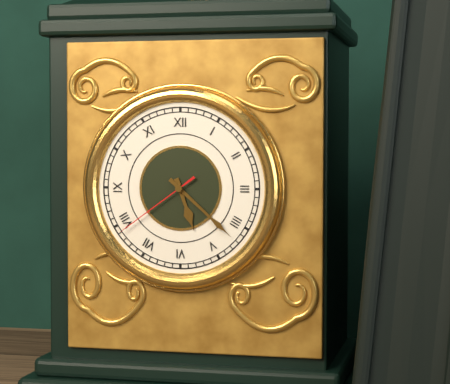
5:22:39
